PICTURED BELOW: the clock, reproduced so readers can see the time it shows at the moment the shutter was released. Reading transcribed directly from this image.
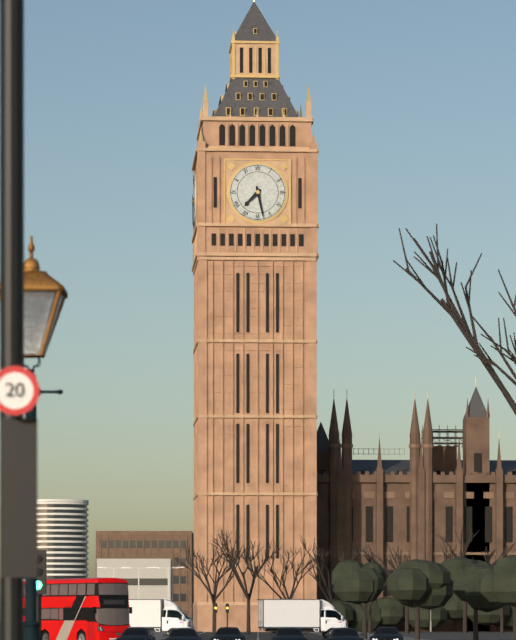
7:28
